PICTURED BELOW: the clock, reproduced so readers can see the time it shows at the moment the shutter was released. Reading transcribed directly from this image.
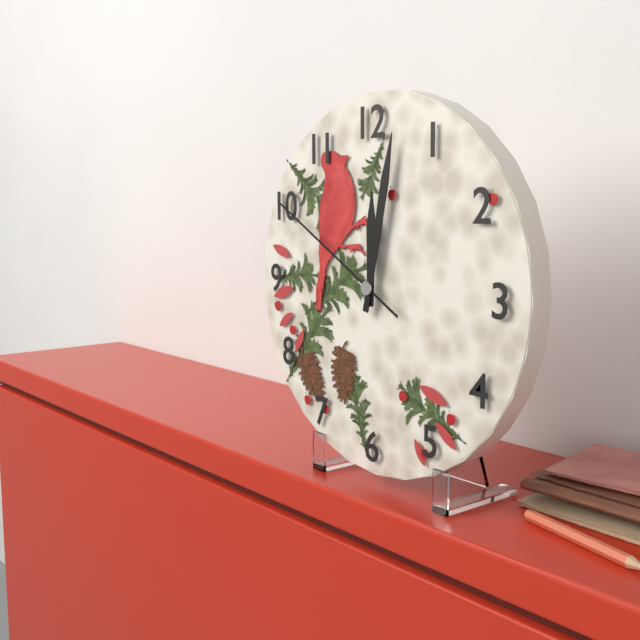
12:02:50
